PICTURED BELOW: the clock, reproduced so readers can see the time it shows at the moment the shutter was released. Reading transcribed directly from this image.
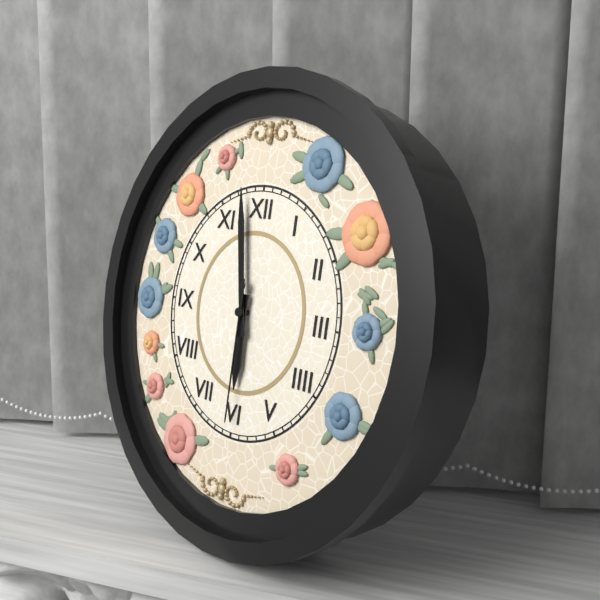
5:58:30
